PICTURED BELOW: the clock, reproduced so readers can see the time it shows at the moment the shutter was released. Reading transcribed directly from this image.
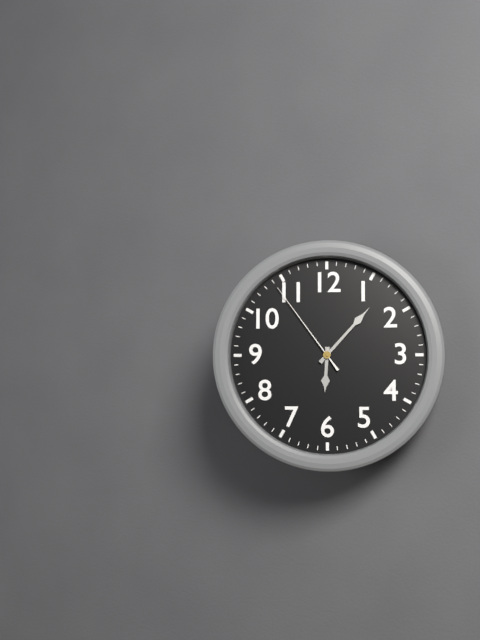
6:07:54
